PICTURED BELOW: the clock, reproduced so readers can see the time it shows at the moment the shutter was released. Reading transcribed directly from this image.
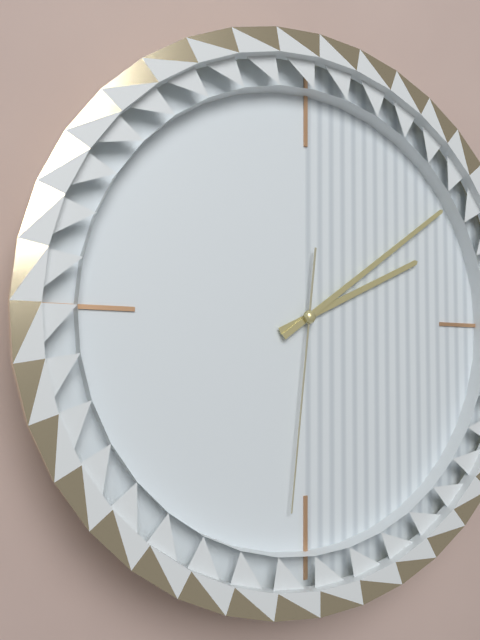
2:09:31
